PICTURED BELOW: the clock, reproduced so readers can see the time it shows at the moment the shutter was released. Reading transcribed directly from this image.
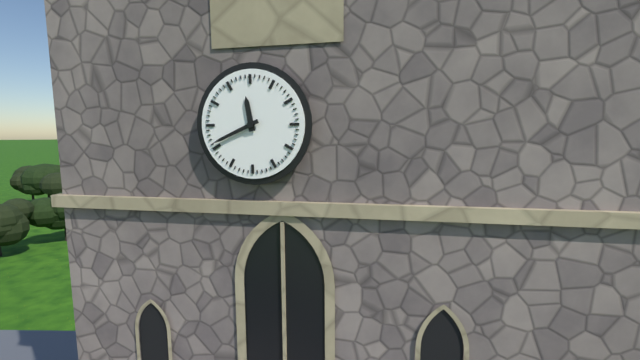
11:41
